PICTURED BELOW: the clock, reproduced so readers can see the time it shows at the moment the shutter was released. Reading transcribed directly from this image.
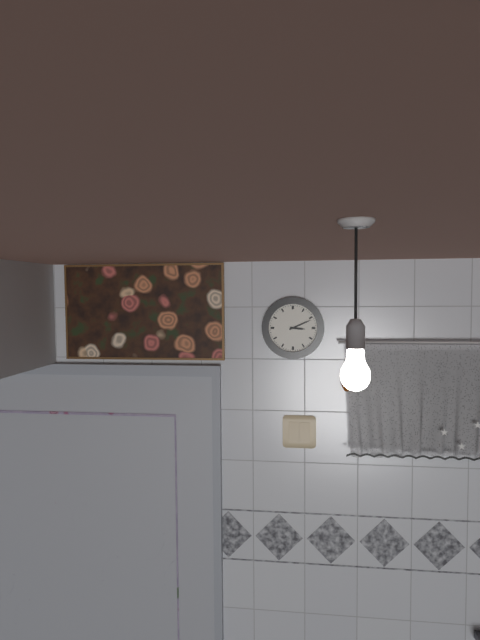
3:11
